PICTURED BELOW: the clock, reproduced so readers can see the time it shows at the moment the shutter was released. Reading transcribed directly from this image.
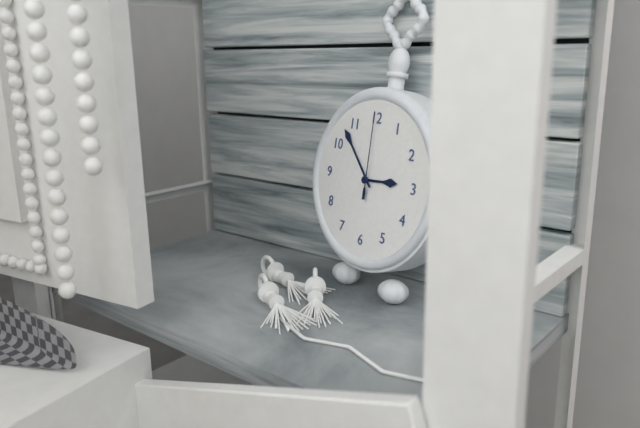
2:53:00
